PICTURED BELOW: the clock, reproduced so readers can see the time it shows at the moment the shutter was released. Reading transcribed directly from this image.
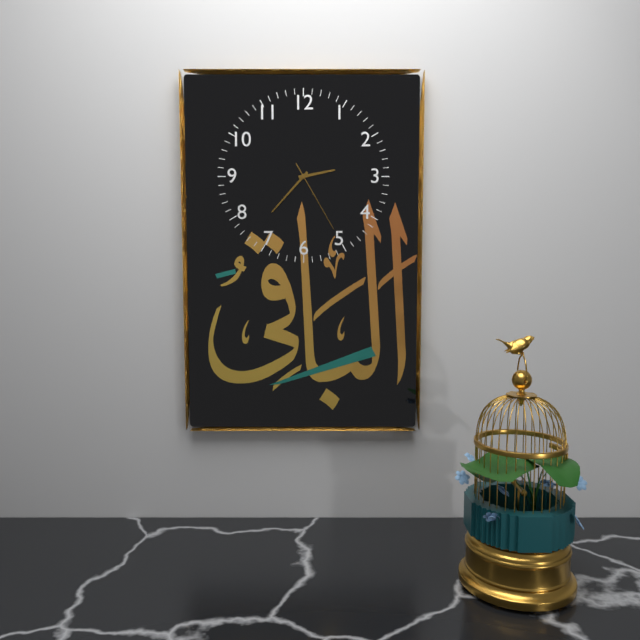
2:37:25
